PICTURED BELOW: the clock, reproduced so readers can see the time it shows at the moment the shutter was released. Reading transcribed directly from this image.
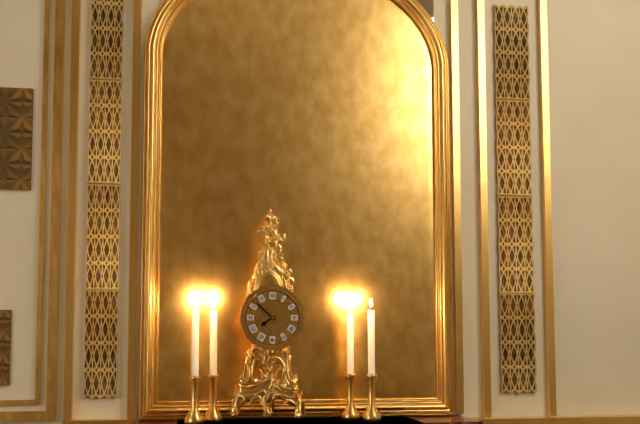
7:52
